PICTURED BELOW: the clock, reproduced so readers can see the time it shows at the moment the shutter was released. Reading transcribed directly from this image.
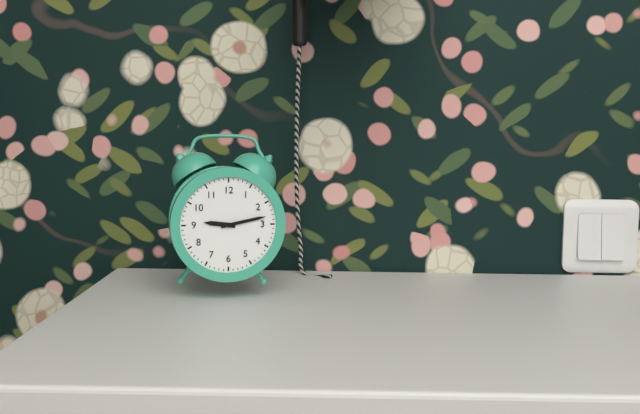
9:13
